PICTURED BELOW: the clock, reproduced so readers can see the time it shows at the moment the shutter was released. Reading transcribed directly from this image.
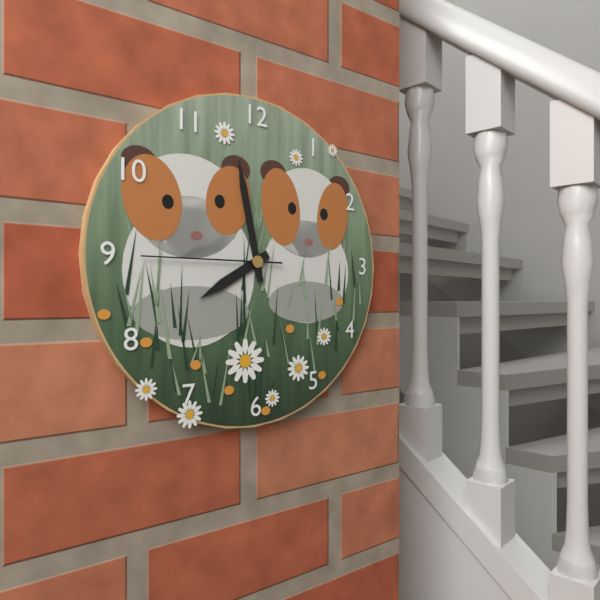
7:58:45
